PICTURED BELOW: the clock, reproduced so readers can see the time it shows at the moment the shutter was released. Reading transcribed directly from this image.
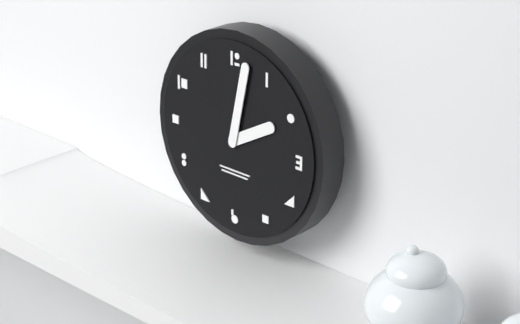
2:02
